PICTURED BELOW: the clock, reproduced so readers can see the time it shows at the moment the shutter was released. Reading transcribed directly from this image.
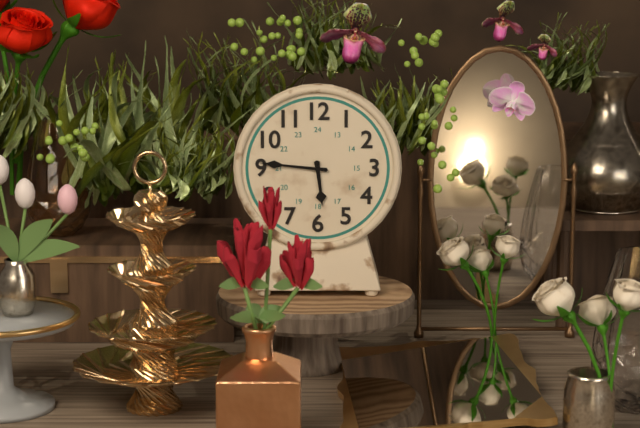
5:46
